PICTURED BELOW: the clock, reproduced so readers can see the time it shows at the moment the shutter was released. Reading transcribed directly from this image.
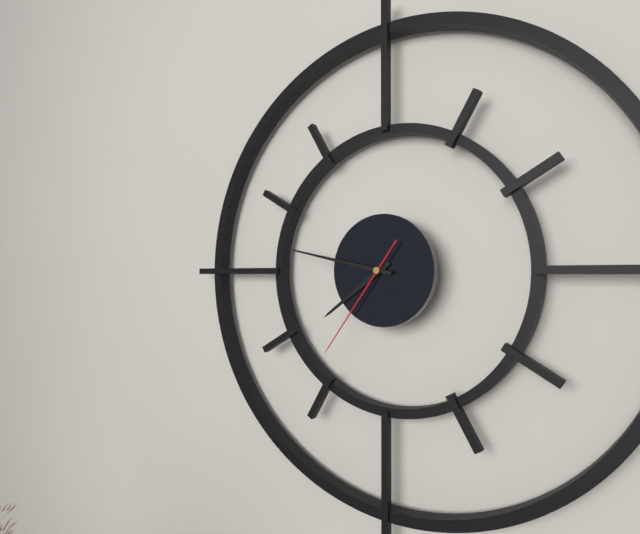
7:47:36
